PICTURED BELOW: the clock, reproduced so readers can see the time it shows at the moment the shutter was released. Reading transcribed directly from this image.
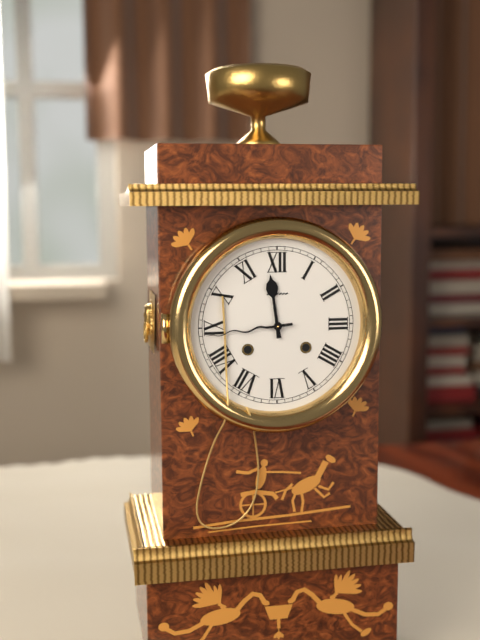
11:44
